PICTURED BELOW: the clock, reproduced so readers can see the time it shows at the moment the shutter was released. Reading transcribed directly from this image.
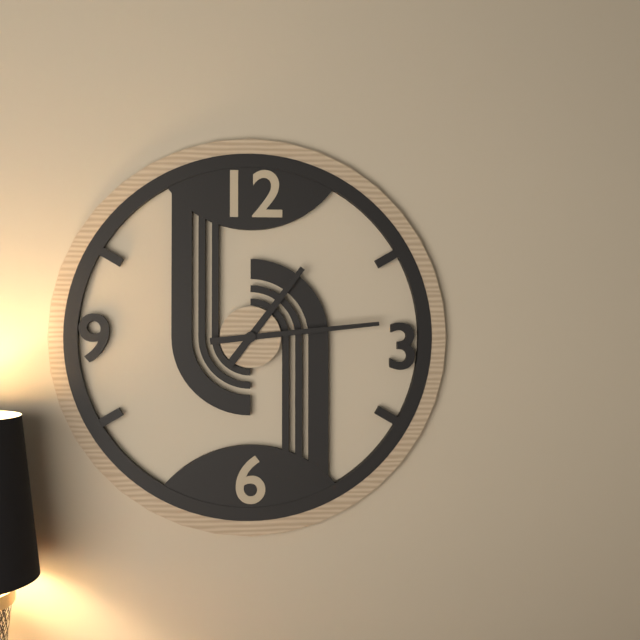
1:14
